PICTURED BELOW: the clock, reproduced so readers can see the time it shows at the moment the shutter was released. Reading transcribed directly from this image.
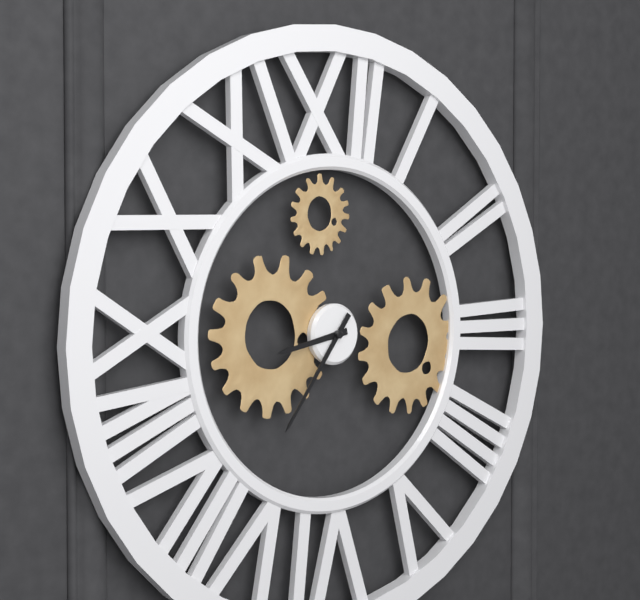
8:36
